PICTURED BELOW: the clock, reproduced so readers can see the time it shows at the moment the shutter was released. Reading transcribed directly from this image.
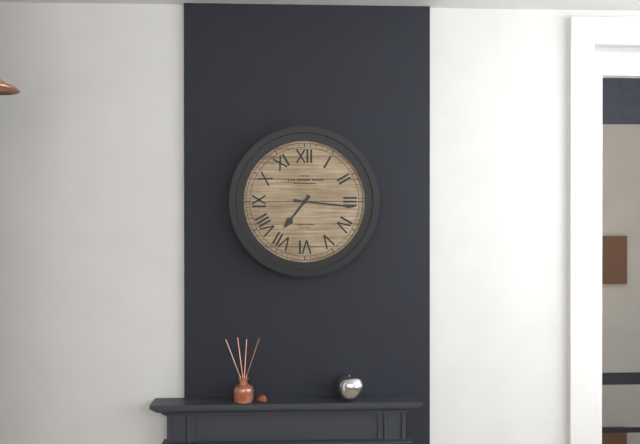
7:16
